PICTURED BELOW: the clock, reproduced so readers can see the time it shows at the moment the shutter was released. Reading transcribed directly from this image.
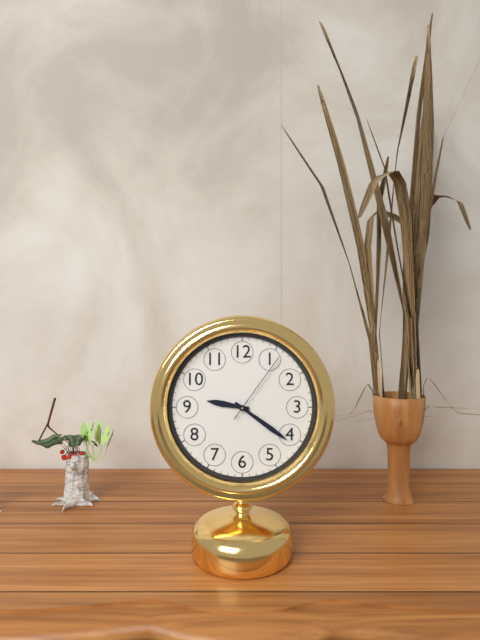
9:21:06
